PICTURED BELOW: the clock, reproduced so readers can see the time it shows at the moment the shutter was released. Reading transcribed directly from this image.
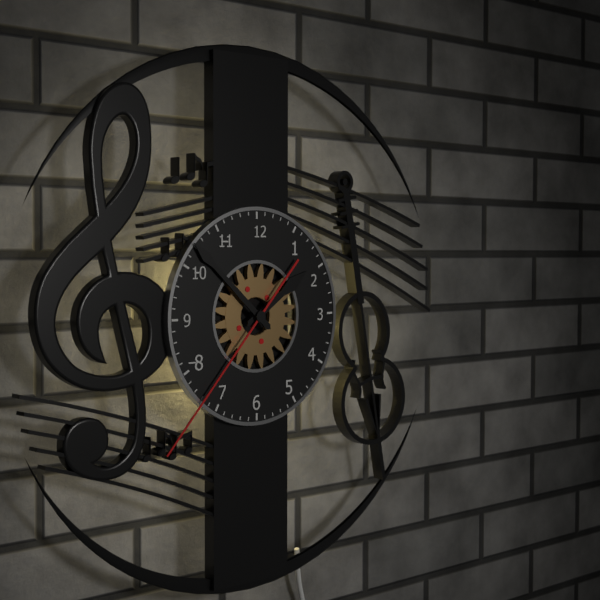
1:52:37
